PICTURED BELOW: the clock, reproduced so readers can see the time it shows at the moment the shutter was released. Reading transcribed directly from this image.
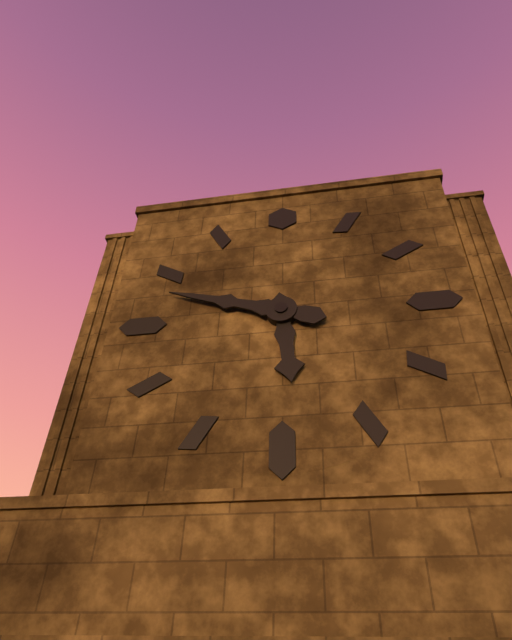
5:48
